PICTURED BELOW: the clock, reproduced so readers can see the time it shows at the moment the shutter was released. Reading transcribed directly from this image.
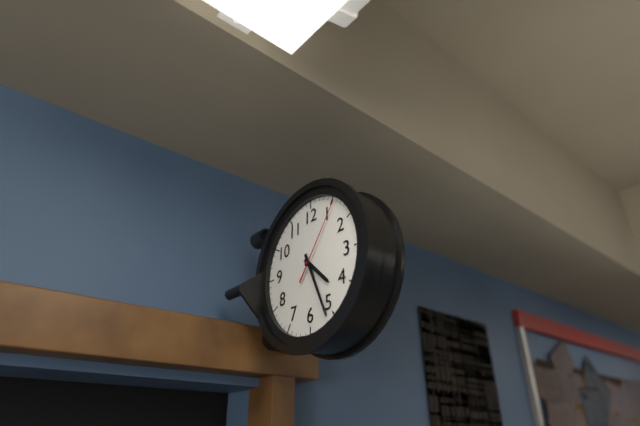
4:26:06
